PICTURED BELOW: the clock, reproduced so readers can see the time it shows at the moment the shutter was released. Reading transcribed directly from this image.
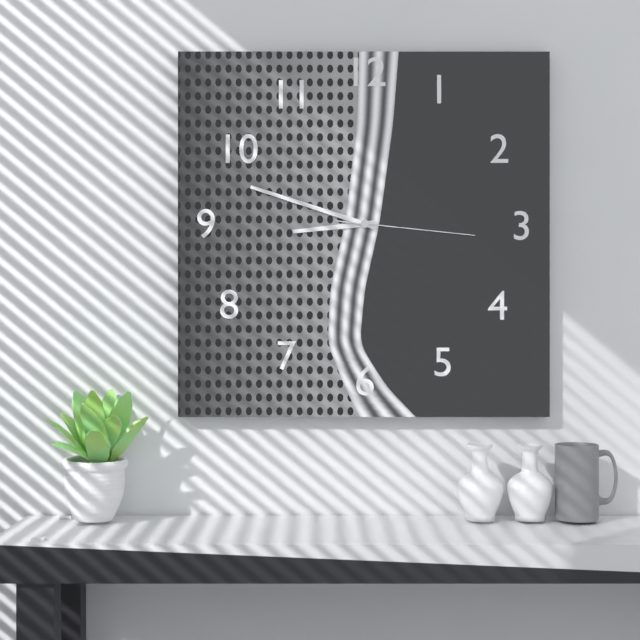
8:48:16
